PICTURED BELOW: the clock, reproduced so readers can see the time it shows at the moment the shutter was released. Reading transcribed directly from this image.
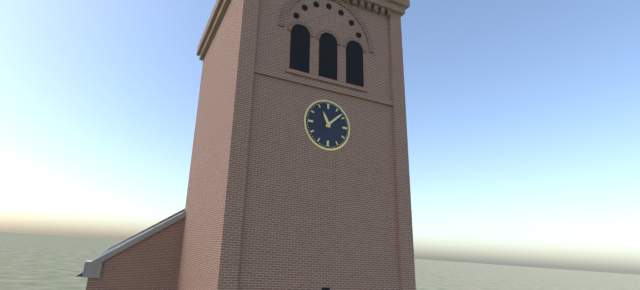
11:08
